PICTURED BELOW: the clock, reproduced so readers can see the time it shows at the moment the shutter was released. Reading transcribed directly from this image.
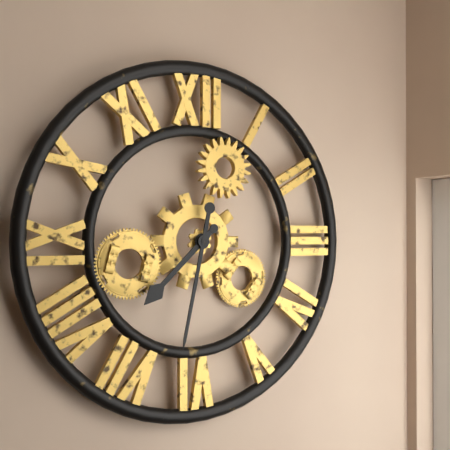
7:32
